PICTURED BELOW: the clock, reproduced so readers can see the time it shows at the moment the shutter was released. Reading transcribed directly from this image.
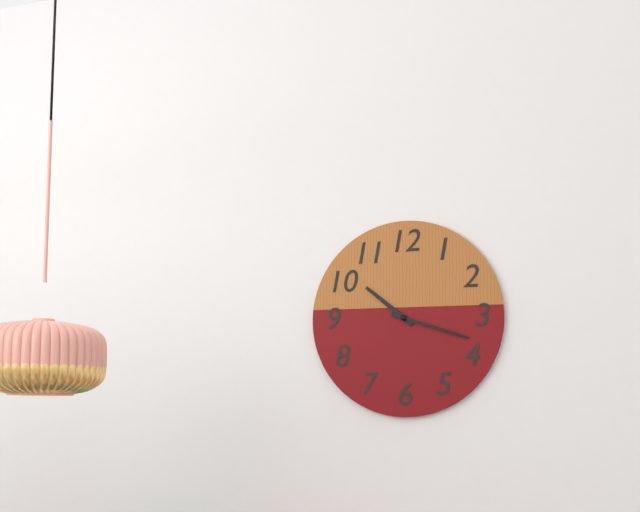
10:18
